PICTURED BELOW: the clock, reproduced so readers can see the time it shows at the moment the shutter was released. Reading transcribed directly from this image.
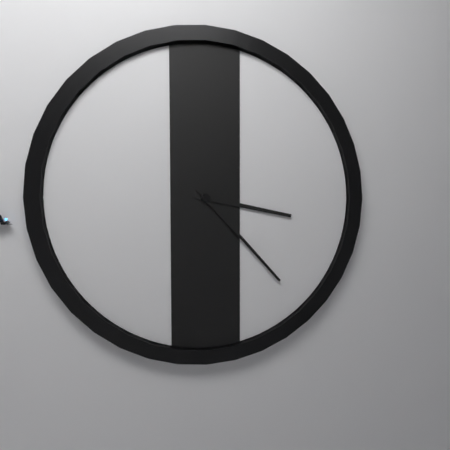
3:23
